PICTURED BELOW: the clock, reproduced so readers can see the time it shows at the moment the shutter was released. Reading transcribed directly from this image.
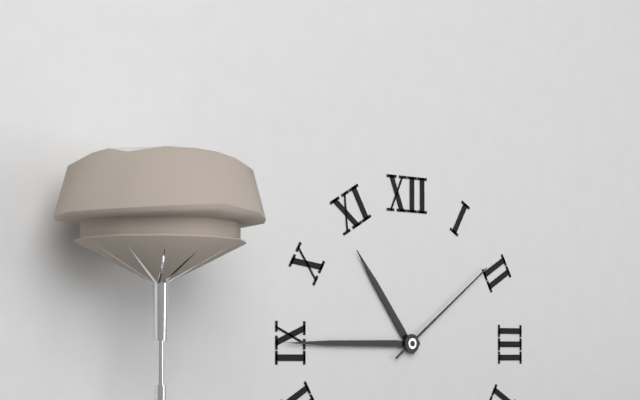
10:45:09
